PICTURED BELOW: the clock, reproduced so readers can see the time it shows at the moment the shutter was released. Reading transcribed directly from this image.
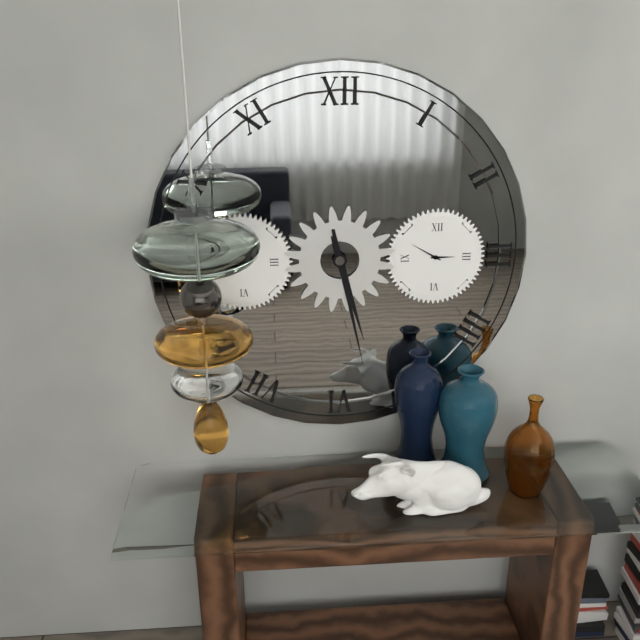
5:28
